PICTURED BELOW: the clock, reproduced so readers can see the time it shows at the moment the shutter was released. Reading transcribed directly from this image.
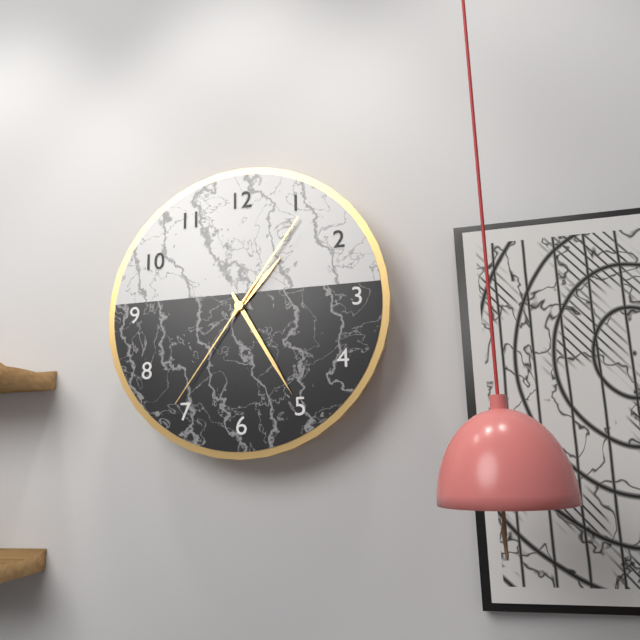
1:25:36
